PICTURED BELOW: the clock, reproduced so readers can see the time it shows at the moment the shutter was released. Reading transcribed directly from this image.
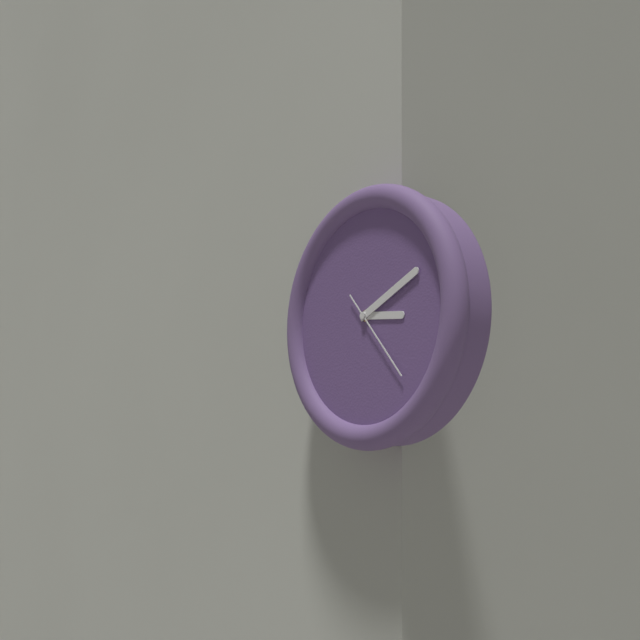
3:11:23
